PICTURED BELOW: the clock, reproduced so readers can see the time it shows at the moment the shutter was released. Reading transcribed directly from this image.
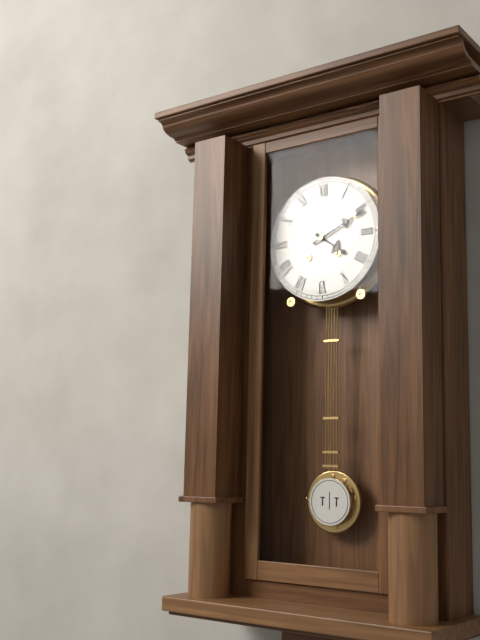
4:11
